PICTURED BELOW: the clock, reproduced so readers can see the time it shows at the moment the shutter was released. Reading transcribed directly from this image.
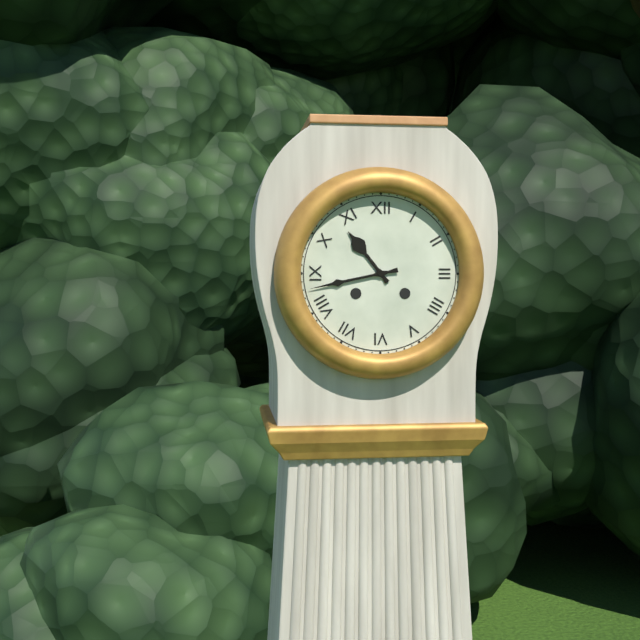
10:43
